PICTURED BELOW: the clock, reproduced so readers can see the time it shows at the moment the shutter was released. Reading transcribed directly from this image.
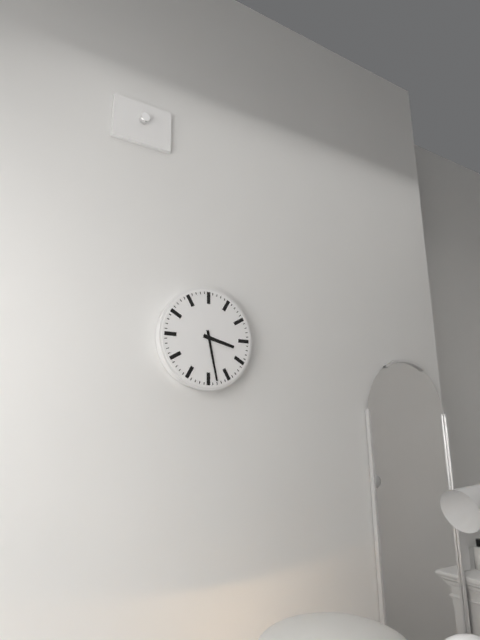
3:28
